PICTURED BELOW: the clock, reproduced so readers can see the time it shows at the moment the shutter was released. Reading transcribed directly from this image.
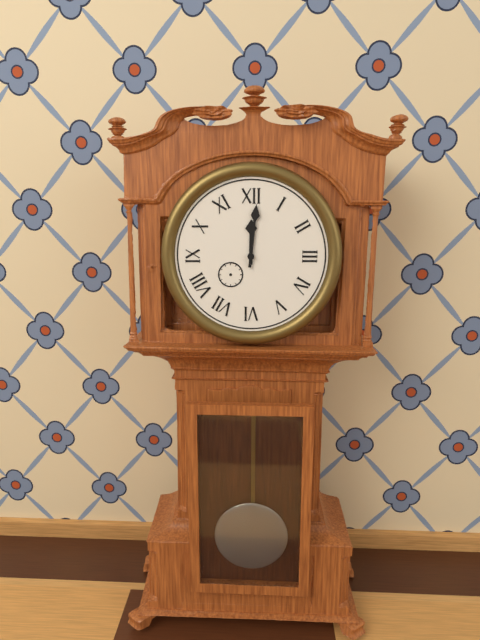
12:01
